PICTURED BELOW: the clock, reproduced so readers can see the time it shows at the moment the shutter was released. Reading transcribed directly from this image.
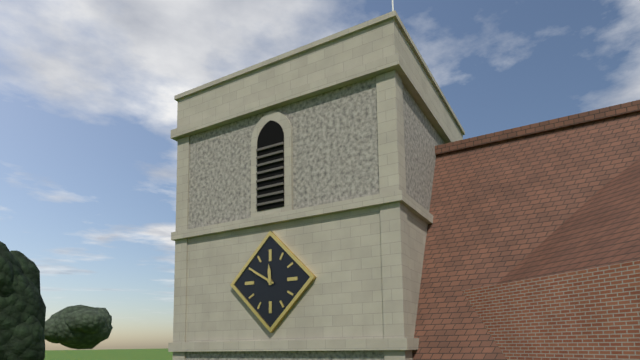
11:50
